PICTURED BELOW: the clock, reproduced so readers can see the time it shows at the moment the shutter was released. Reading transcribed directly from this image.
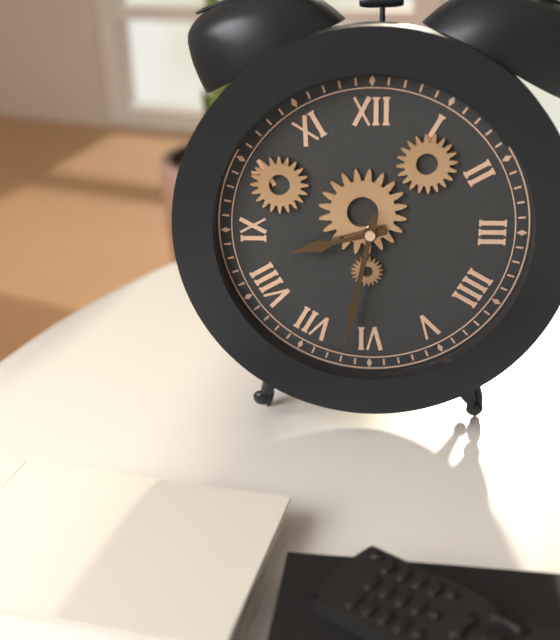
8:32
